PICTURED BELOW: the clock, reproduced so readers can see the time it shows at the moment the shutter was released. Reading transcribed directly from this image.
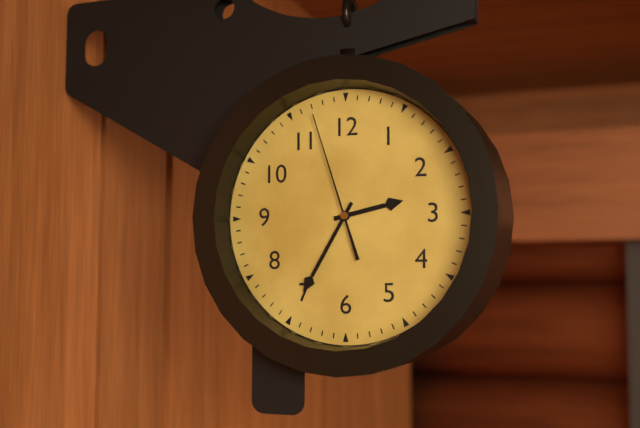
2:35:57
